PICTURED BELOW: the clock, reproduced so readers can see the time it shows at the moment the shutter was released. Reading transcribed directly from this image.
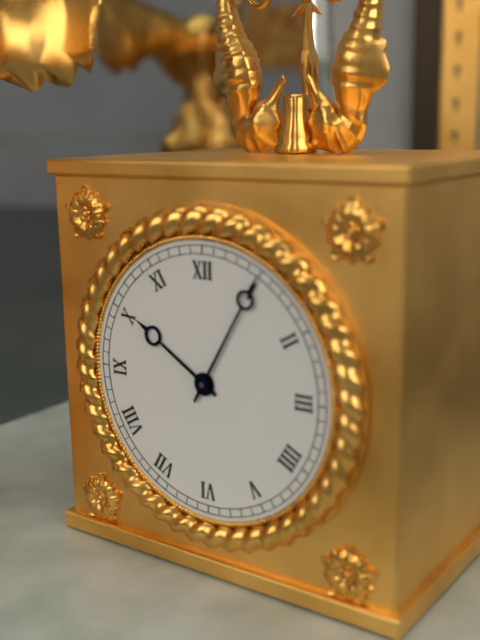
10:05
